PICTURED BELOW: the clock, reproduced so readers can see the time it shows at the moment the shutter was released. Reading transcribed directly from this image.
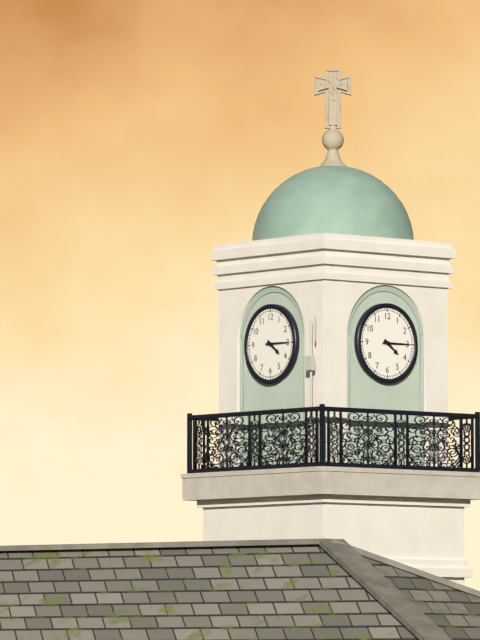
4:15
